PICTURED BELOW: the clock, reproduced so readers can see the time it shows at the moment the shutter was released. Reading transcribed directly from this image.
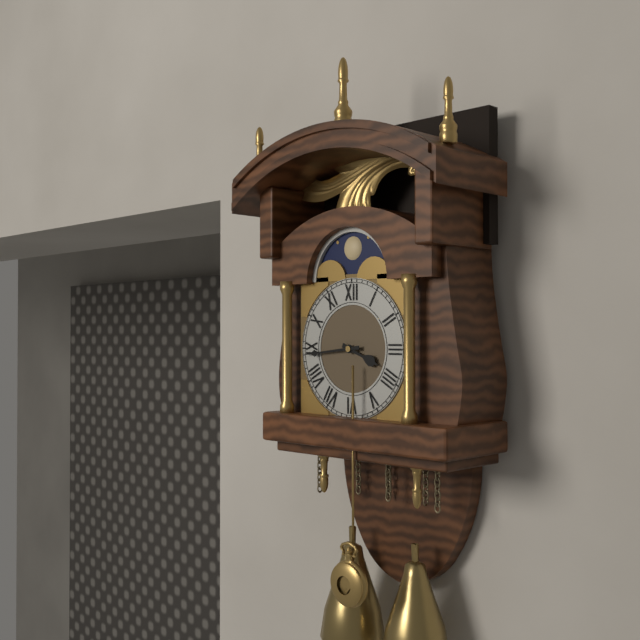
3:44
